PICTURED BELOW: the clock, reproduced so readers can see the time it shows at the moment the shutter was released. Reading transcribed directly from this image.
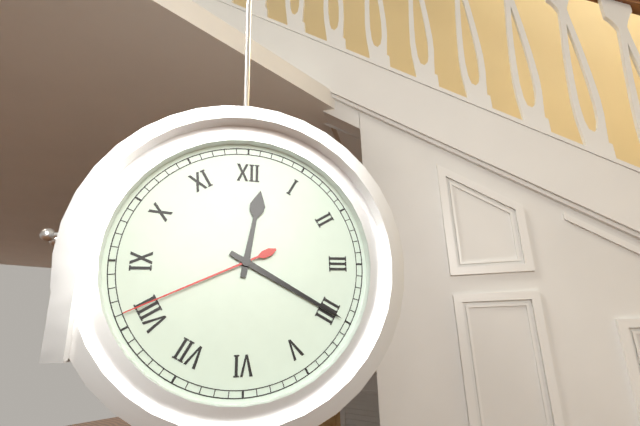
12:20:41
